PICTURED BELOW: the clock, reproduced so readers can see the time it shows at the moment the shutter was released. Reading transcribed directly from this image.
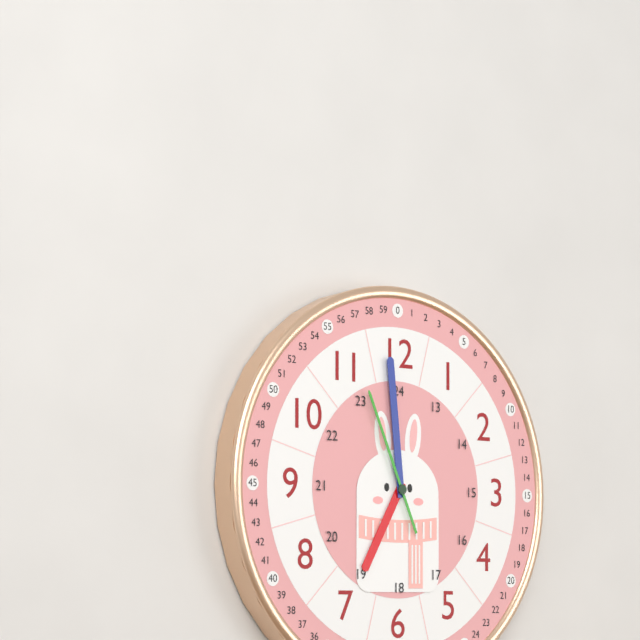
6:59:56
